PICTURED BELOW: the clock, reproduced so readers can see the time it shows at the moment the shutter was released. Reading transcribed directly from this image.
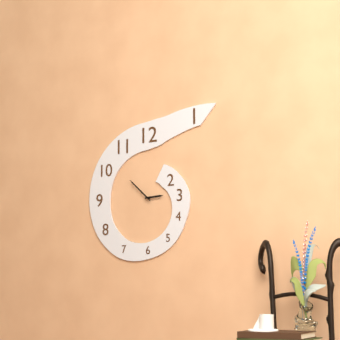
2:52
